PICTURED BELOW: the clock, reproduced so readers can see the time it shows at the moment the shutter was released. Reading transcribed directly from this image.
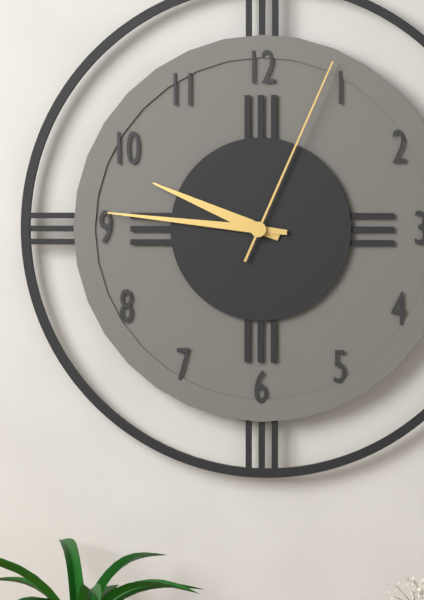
9:46:04
